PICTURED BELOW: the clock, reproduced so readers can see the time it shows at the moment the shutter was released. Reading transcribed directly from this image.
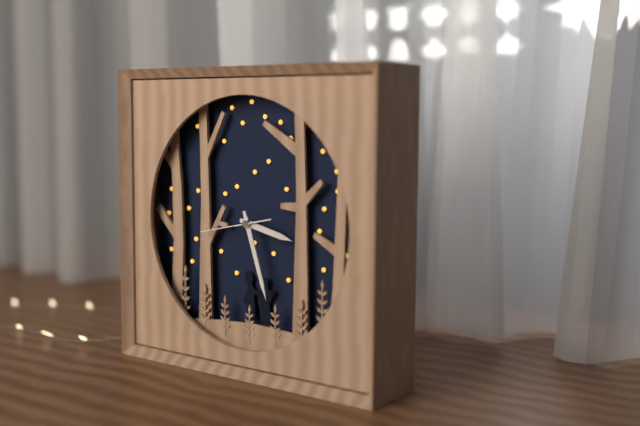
3:27:43
